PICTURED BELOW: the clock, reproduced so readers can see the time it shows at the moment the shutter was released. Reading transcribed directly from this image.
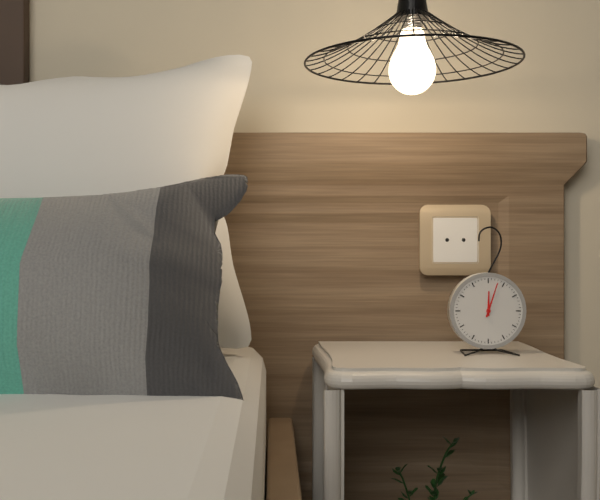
12:03
